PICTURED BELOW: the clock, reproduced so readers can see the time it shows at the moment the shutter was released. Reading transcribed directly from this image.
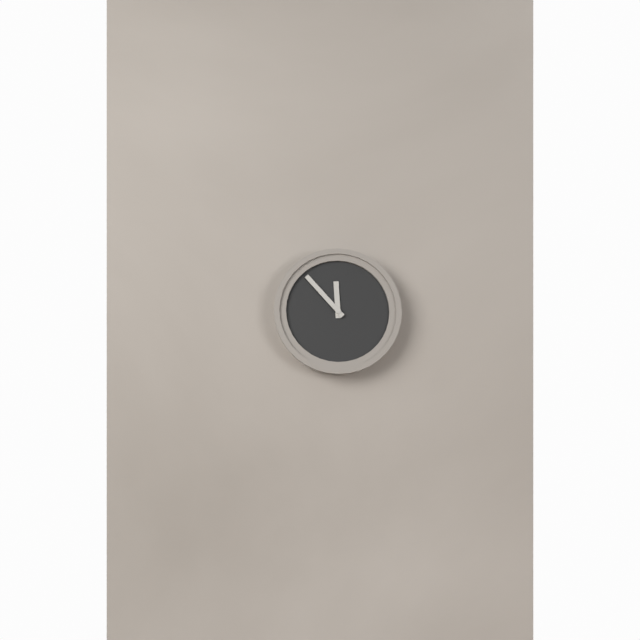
11:53
